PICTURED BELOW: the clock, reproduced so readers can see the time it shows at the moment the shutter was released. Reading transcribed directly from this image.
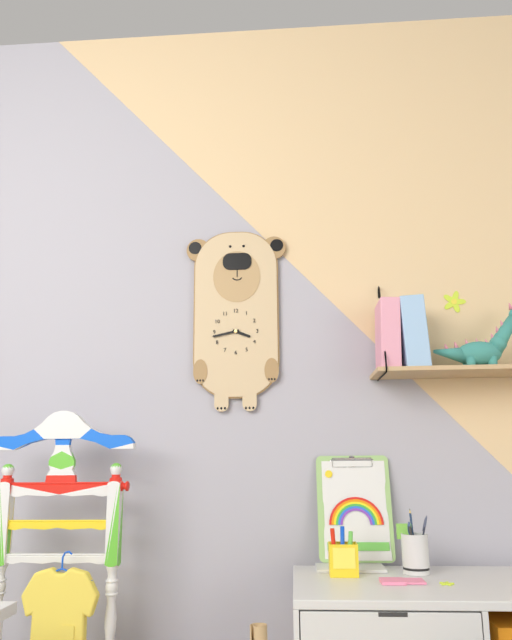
3:43
